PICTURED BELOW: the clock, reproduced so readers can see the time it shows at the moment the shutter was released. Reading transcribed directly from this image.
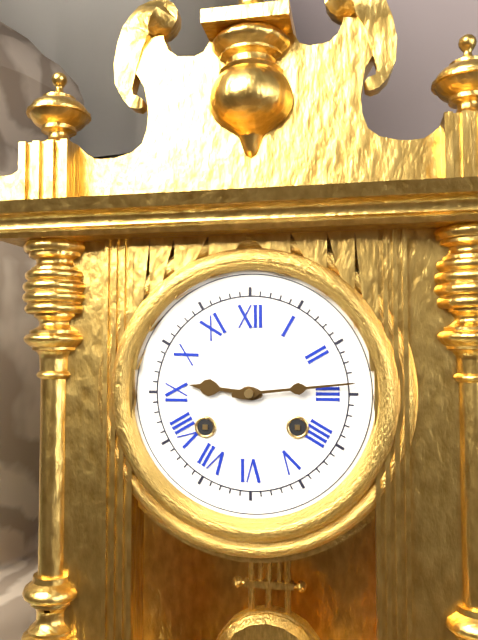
9:14
